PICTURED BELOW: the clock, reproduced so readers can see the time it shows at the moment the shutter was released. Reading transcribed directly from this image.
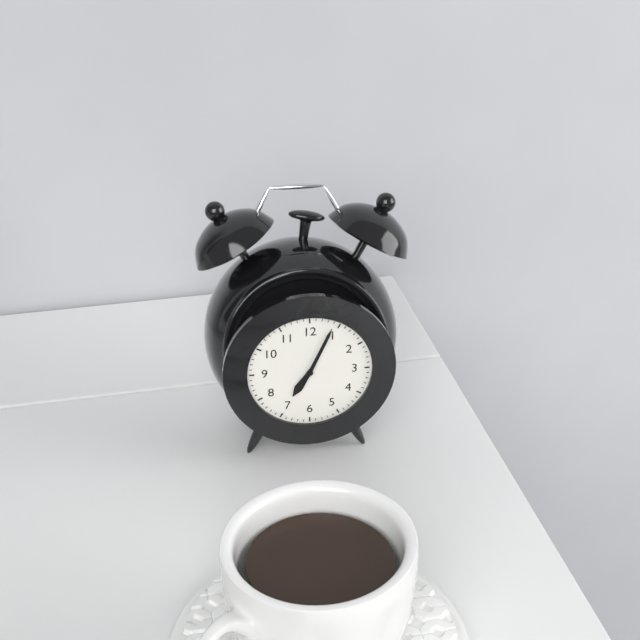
7:04
